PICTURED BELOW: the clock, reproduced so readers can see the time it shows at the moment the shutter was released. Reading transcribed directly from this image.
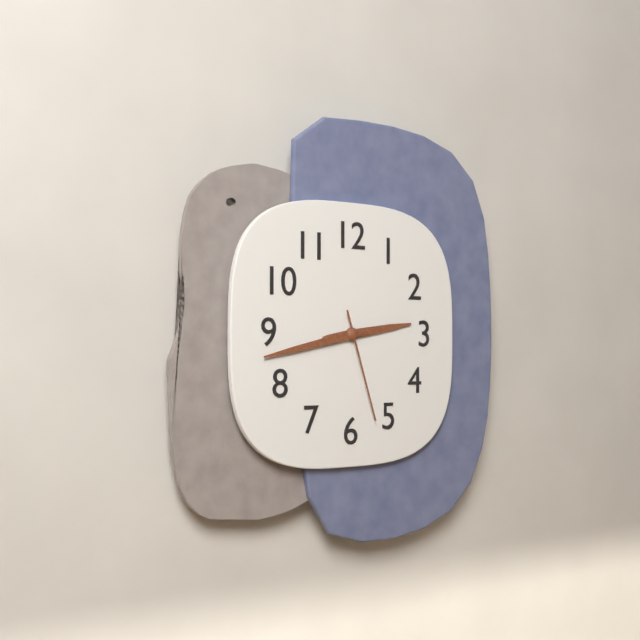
2:43:27
